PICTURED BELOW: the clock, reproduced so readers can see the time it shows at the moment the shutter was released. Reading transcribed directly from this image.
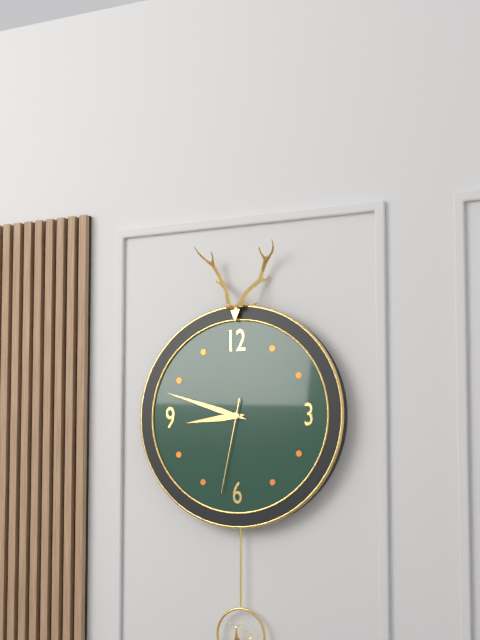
8:48:32
